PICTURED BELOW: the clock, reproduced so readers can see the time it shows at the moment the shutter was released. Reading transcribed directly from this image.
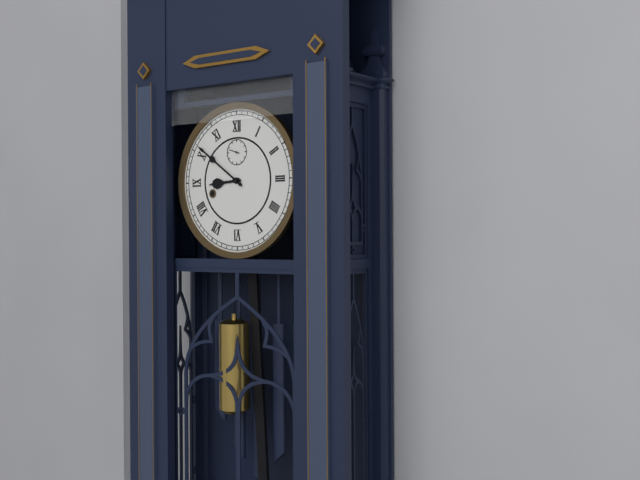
8:51
